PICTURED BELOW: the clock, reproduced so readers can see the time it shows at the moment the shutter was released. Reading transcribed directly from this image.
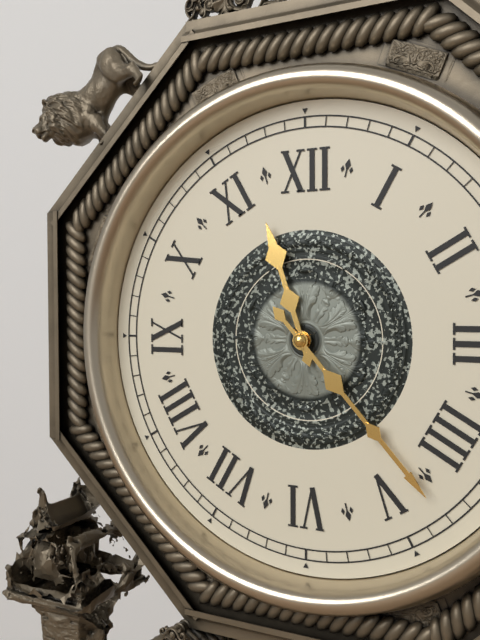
11:23
